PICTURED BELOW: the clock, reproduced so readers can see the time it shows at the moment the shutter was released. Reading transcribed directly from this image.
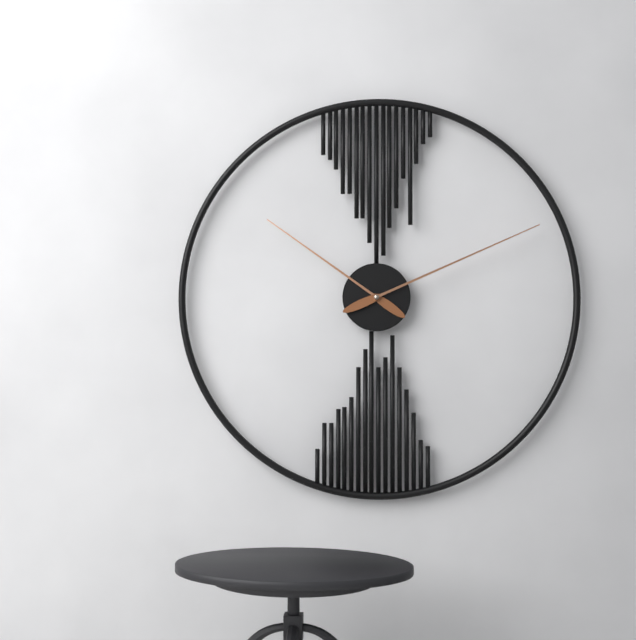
10:11
